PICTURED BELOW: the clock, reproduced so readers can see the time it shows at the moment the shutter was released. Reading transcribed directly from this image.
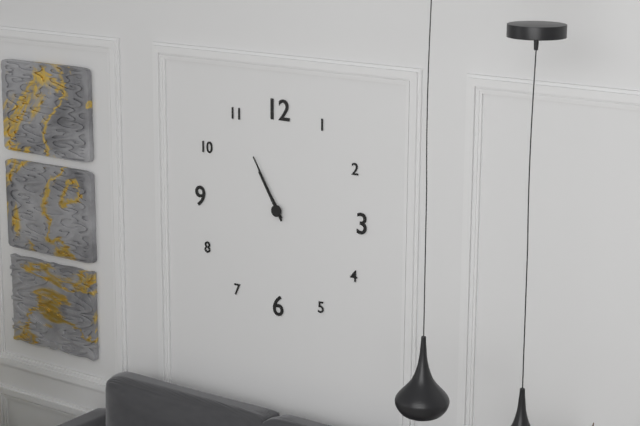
10:55
